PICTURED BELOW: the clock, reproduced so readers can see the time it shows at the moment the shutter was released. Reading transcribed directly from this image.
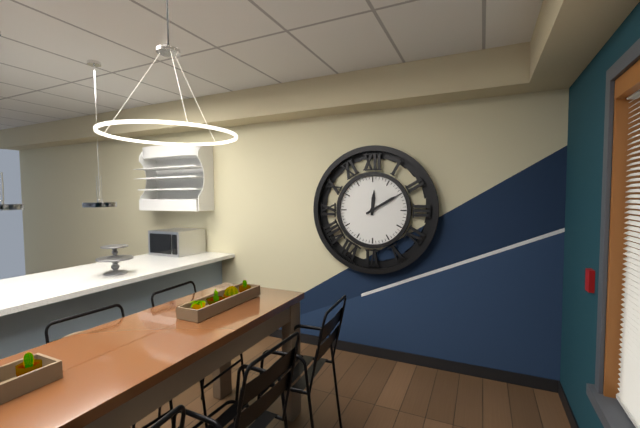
12:10
